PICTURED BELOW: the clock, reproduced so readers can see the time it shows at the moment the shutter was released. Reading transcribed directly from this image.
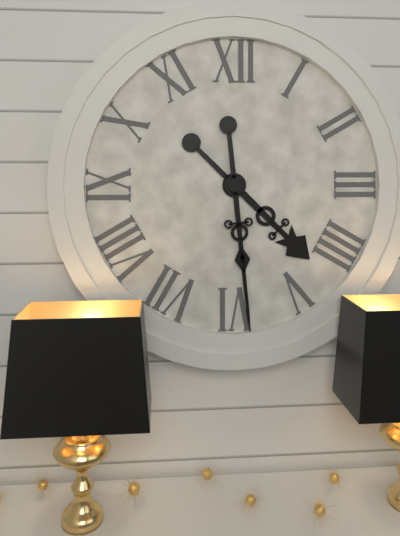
4:29
